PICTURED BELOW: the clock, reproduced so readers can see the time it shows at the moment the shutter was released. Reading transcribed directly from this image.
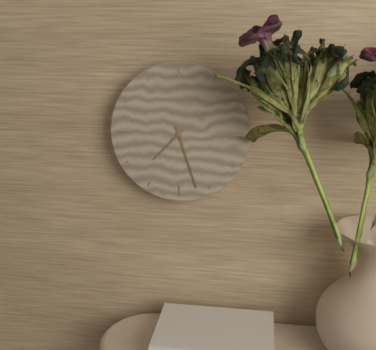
7:27
